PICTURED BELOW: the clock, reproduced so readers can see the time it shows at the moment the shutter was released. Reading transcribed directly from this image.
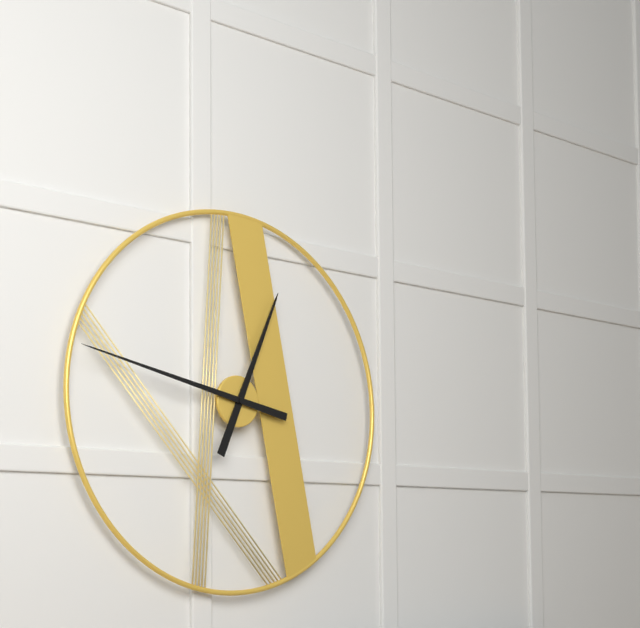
12:47
